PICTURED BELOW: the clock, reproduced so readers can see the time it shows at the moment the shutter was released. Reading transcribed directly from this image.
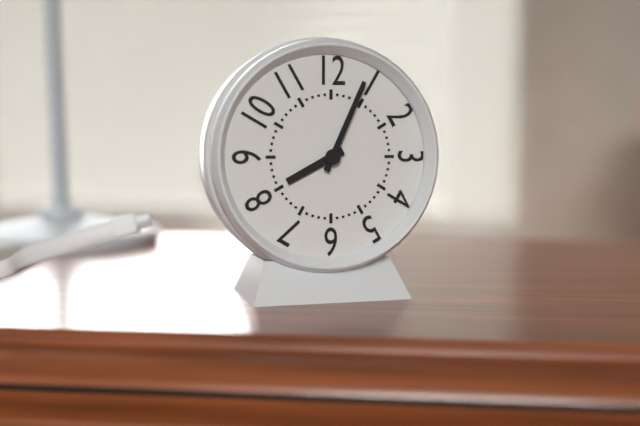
8:04
